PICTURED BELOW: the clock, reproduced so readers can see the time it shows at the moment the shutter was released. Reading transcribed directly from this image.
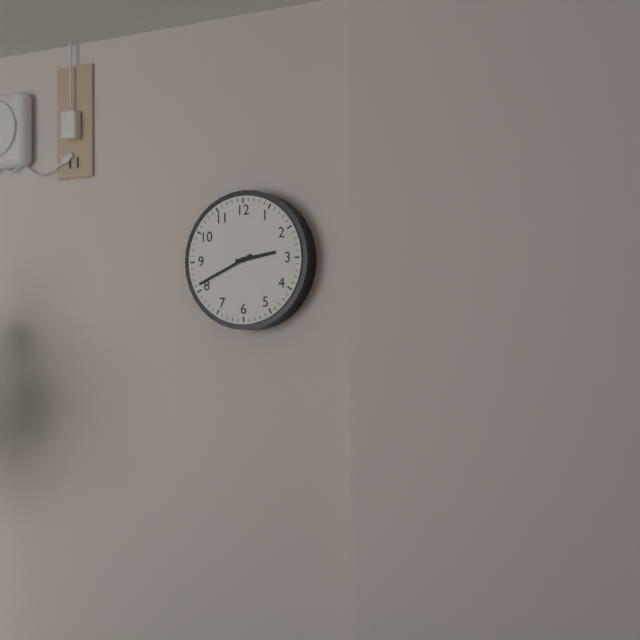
2:41
